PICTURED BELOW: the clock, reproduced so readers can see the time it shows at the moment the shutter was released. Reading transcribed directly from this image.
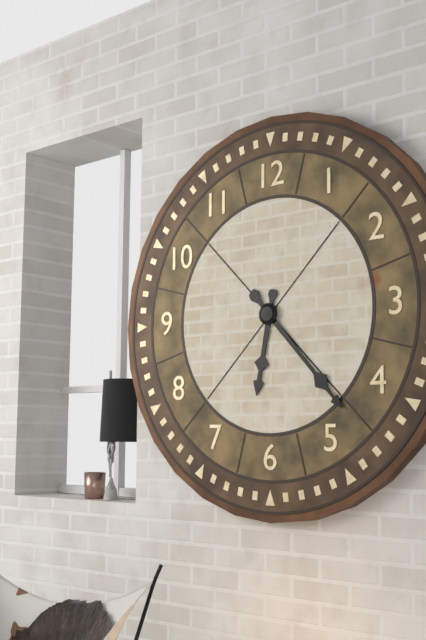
6:23
